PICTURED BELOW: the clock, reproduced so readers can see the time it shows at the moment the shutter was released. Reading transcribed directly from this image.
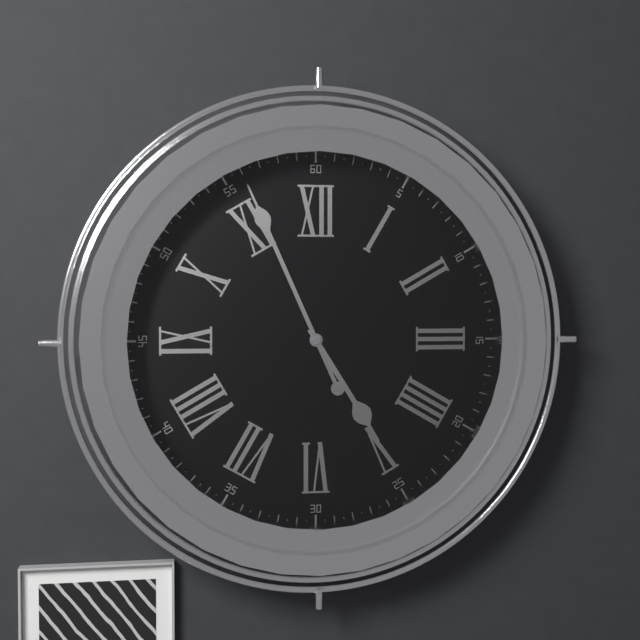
4:56
